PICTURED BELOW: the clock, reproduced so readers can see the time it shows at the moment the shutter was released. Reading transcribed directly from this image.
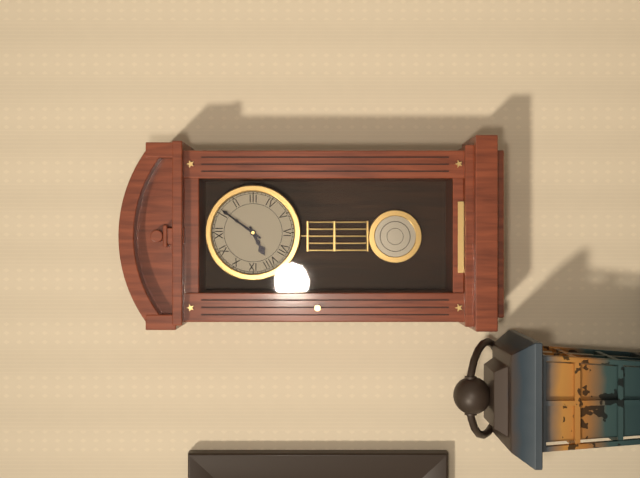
8:06
